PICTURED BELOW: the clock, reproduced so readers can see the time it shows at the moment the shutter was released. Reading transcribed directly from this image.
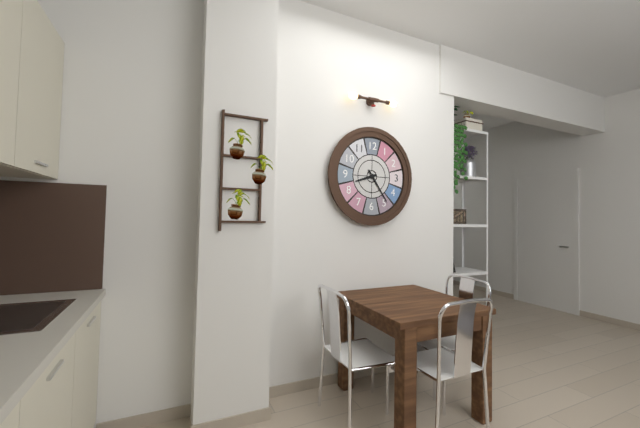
8:24
